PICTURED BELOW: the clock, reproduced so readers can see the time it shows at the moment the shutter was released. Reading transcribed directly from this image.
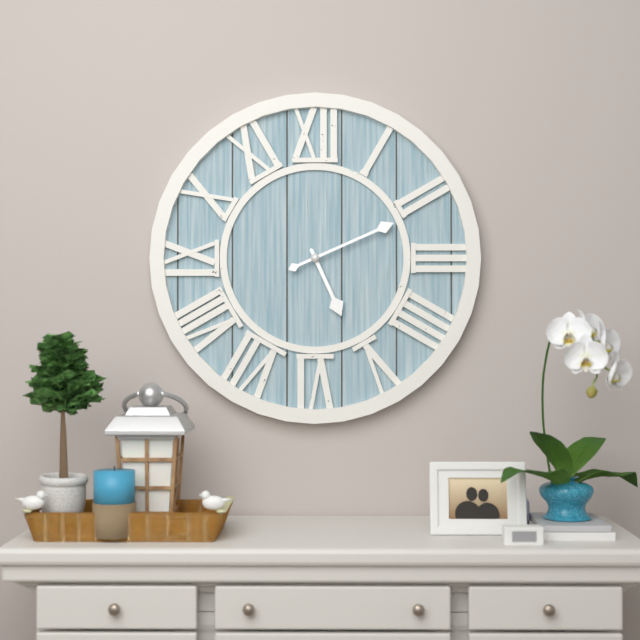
5:11
